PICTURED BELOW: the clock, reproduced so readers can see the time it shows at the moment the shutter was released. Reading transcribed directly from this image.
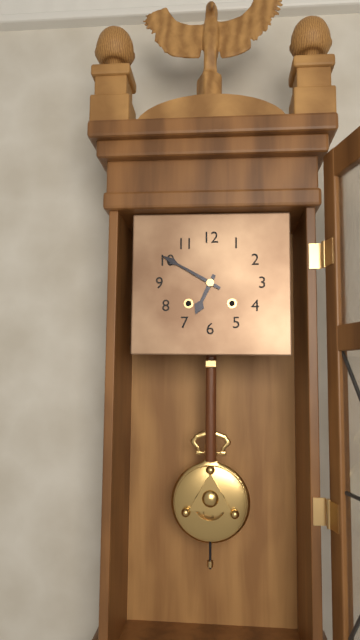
6:50
